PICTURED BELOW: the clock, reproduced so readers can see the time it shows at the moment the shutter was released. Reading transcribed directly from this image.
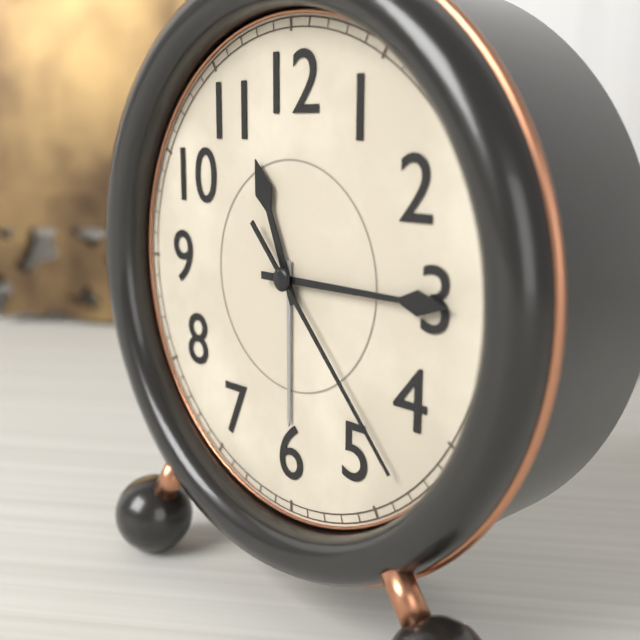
11:15:23
